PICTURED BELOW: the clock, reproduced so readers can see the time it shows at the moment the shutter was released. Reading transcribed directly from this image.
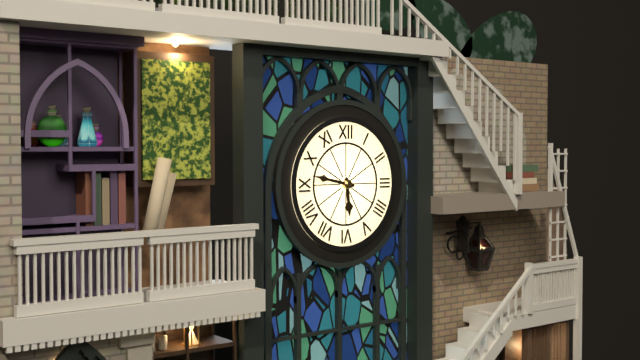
5:47
